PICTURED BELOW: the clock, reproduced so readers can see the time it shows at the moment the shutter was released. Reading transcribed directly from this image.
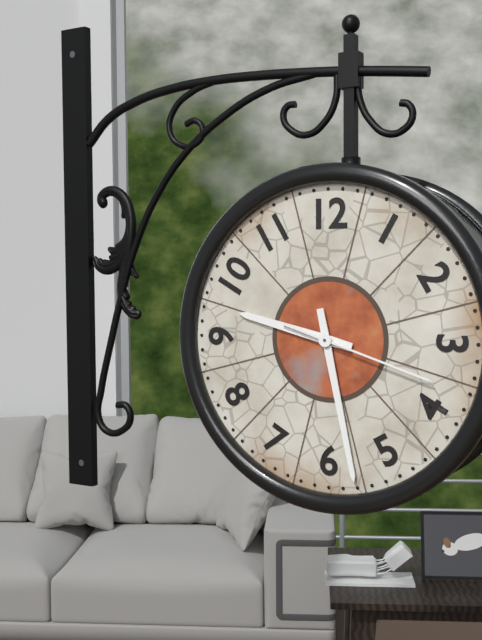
9:28:18
